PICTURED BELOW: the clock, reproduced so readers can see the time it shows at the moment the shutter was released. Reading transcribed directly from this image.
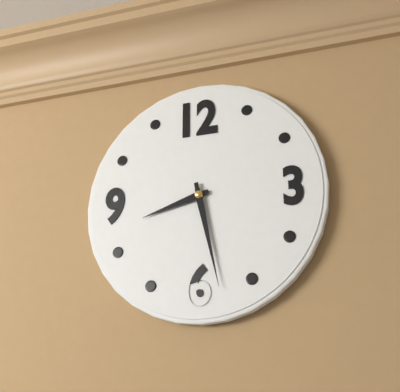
8:28
